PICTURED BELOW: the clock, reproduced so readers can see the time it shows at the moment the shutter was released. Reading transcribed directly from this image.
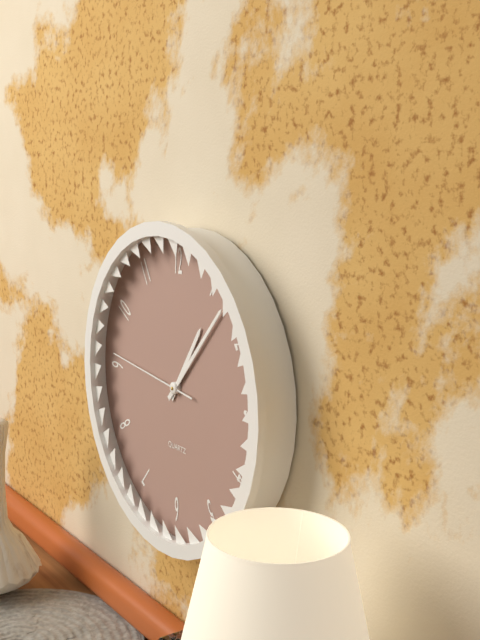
1:07:46
